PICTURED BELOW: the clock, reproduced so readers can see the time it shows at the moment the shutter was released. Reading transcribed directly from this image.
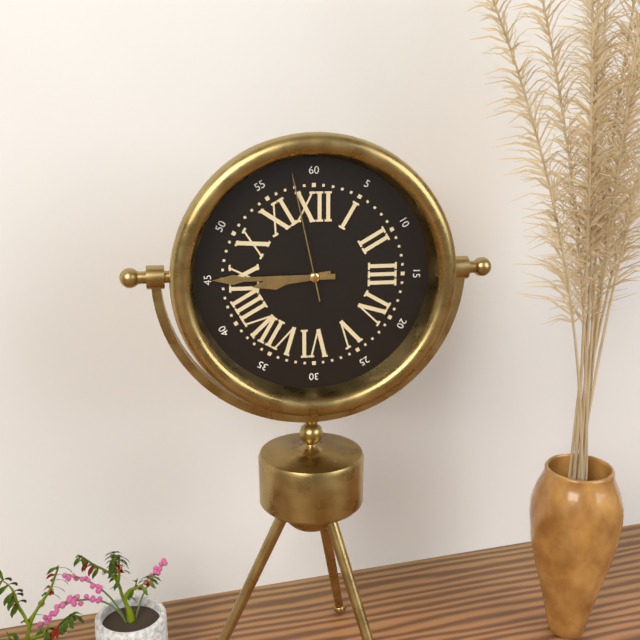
8:45:58
